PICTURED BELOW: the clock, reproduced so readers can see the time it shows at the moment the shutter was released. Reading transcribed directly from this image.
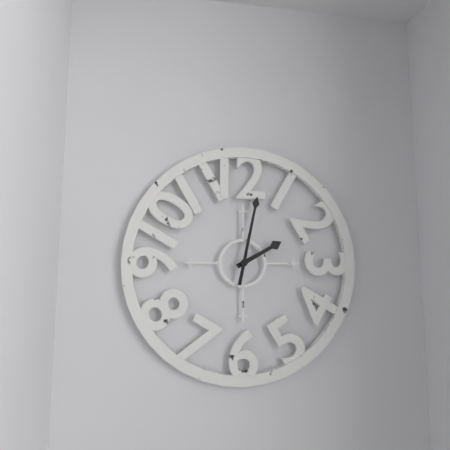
2:02
